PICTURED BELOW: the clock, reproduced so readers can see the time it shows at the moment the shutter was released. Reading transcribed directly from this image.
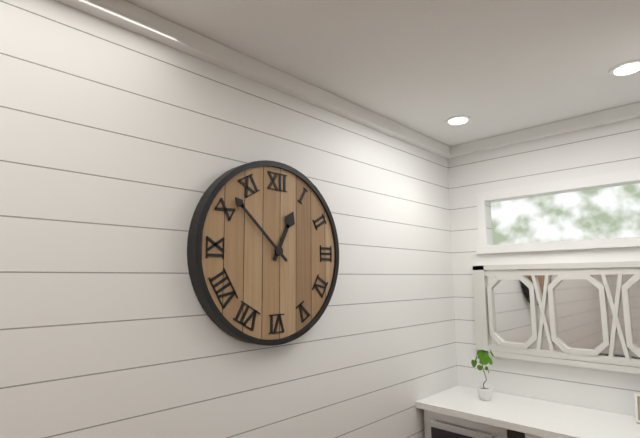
12:52
